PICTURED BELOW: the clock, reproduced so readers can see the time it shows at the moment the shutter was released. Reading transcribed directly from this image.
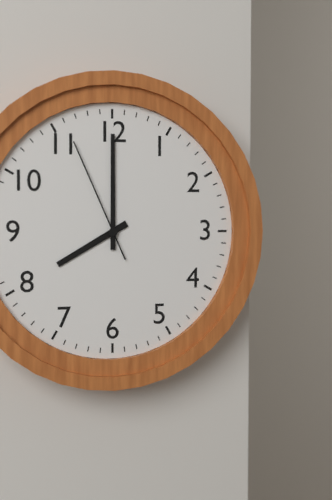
8:00:56
